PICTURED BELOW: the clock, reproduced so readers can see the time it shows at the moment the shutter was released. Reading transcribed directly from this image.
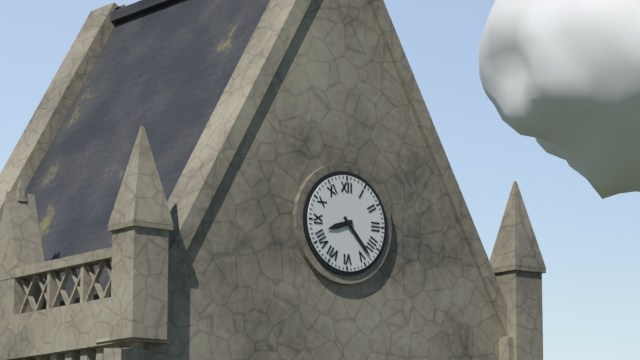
8:23
